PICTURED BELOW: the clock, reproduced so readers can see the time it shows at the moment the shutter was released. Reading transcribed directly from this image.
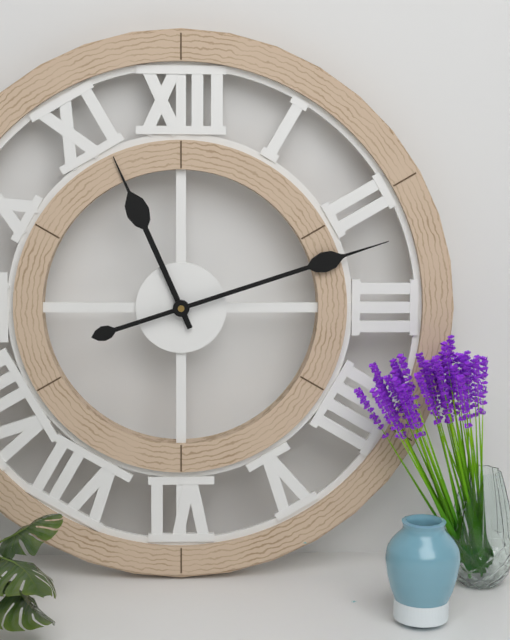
11:12
